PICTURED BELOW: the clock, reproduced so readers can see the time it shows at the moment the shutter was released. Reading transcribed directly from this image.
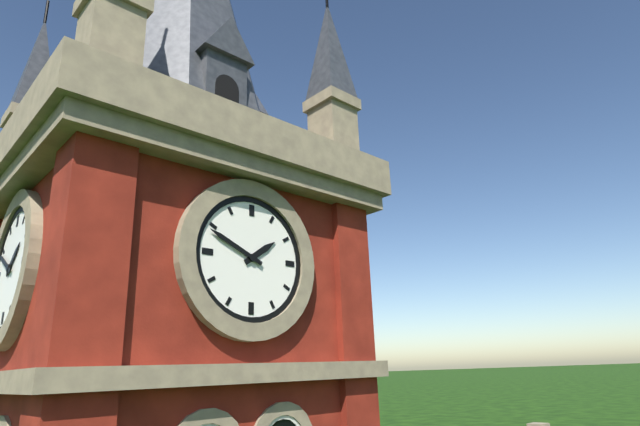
1:49
